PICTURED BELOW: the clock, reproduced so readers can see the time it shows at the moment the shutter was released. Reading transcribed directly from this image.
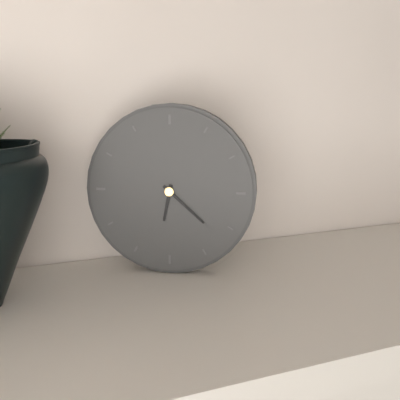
6:22
